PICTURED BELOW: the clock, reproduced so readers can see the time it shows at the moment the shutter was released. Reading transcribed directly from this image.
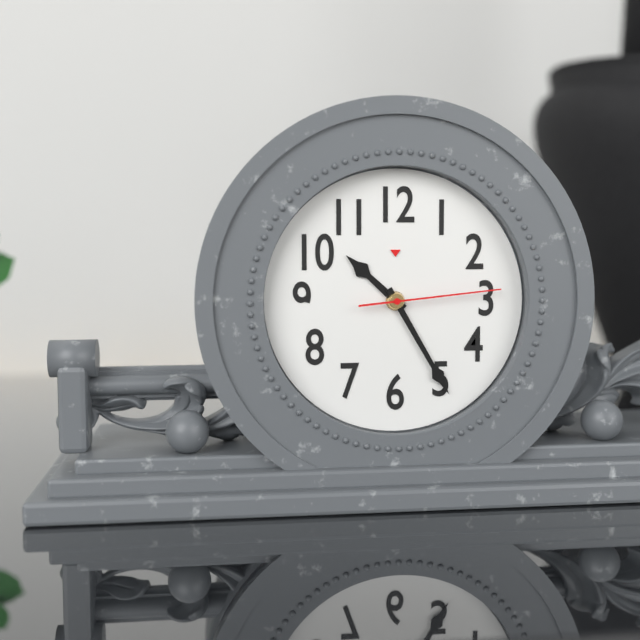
10:25:14
